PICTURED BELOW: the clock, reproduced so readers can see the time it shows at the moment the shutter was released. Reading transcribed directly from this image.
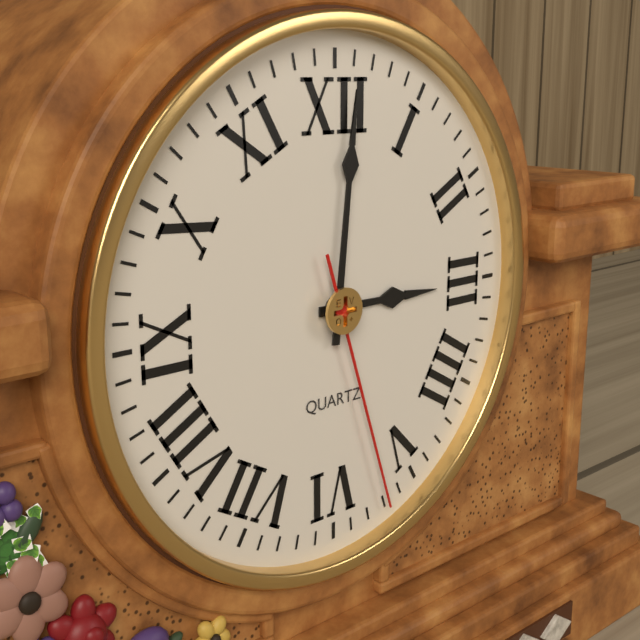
3:01:27
